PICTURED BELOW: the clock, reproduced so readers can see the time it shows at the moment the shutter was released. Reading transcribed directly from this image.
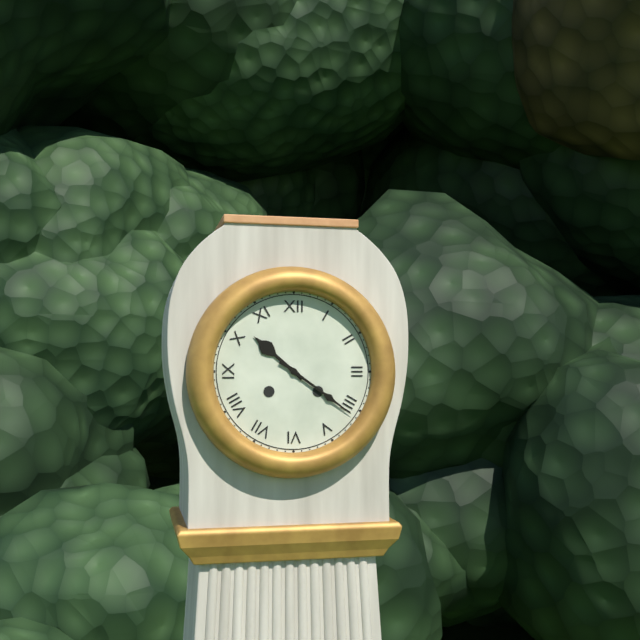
10:21
